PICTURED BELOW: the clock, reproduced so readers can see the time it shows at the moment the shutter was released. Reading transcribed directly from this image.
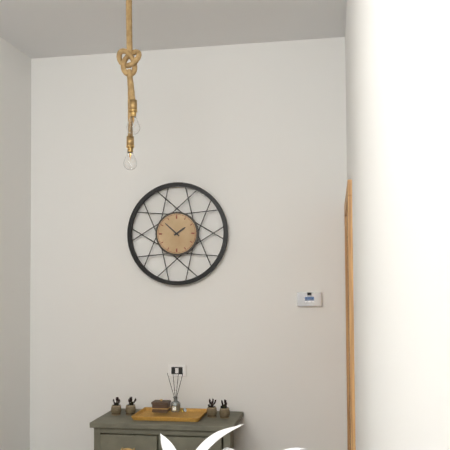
1:52
